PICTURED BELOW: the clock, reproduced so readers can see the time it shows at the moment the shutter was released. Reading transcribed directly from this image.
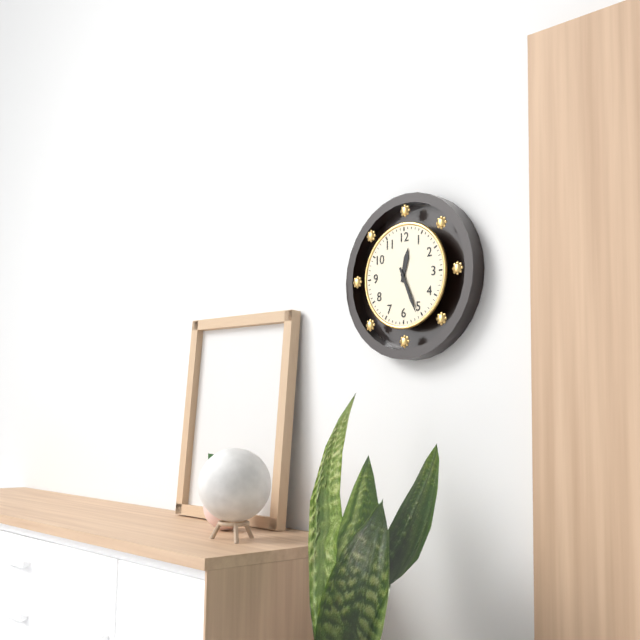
12:26
